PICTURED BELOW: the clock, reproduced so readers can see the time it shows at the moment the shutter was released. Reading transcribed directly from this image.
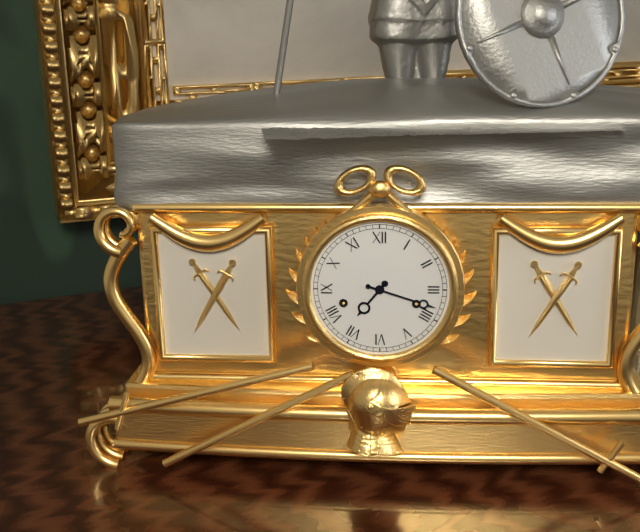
7:18
